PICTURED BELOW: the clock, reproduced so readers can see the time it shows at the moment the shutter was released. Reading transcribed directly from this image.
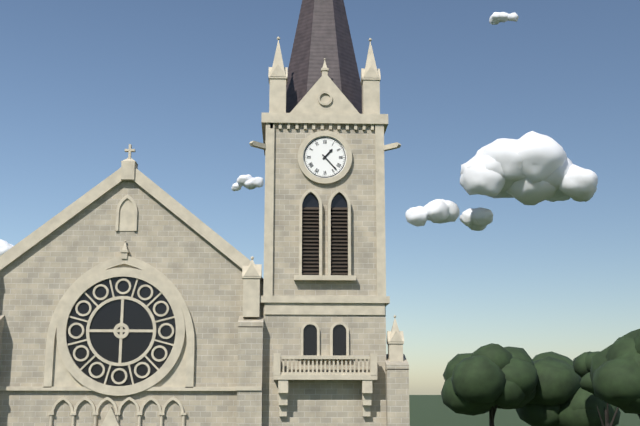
1:23
